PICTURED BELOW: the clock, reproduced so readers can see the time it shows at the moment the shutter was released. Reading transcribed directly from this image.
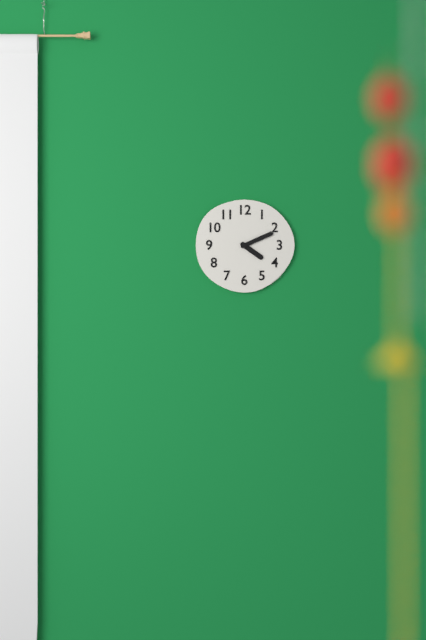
4:11
